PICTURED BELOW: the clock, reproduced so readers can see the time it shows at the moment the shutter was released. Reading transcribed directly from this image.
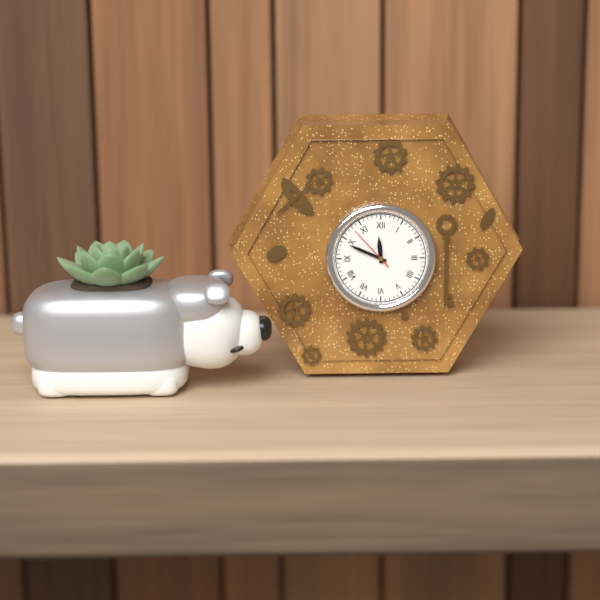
11:49
